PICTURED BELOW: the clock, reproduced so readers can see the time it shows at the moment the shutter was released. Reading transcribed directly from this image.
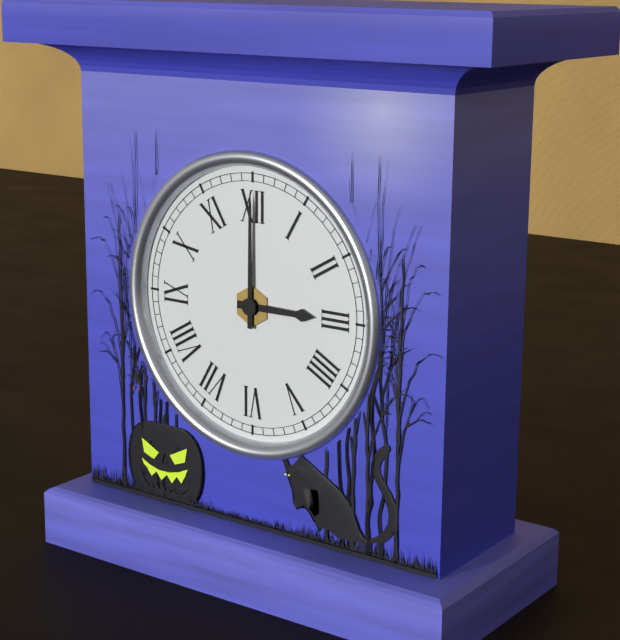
3:00
